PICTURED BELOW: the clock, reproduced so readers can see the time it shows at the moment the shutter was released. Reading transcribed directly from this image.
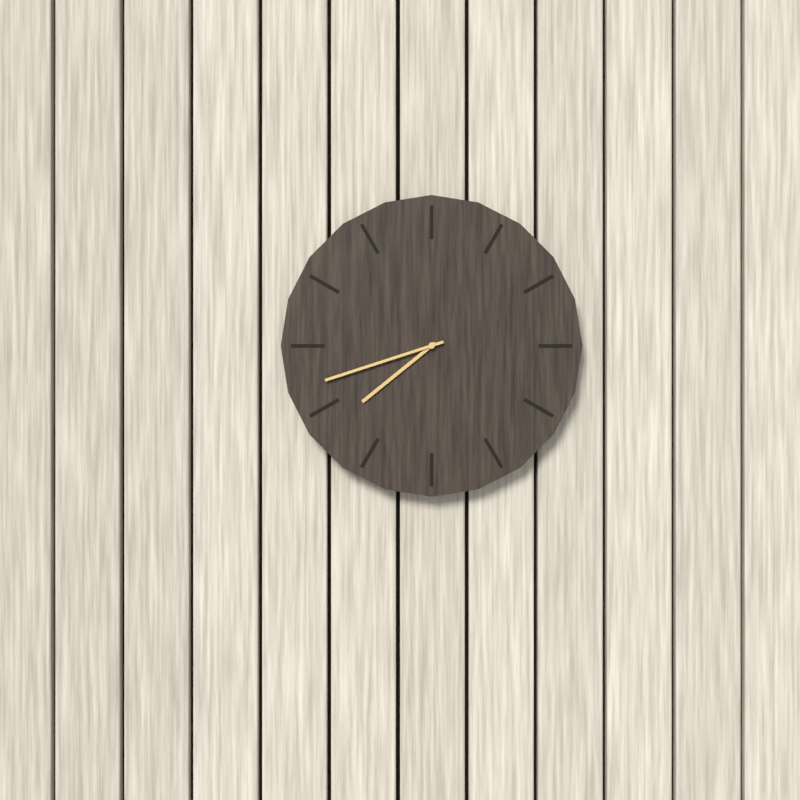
7:42
